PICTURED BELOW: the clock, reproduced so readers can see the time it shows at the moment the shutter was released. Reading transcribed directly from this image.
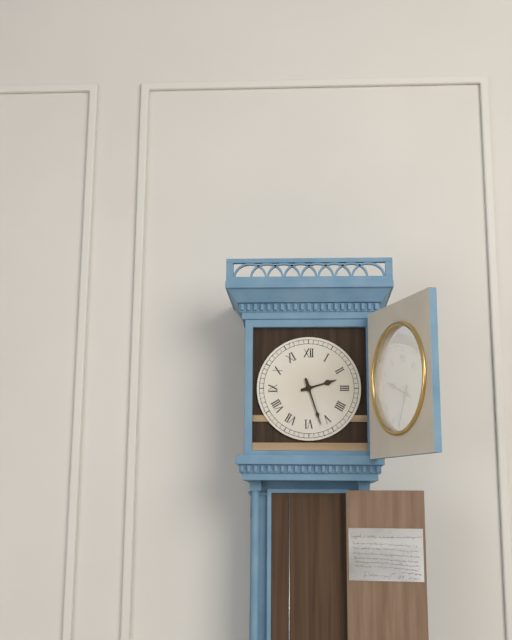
2:27
